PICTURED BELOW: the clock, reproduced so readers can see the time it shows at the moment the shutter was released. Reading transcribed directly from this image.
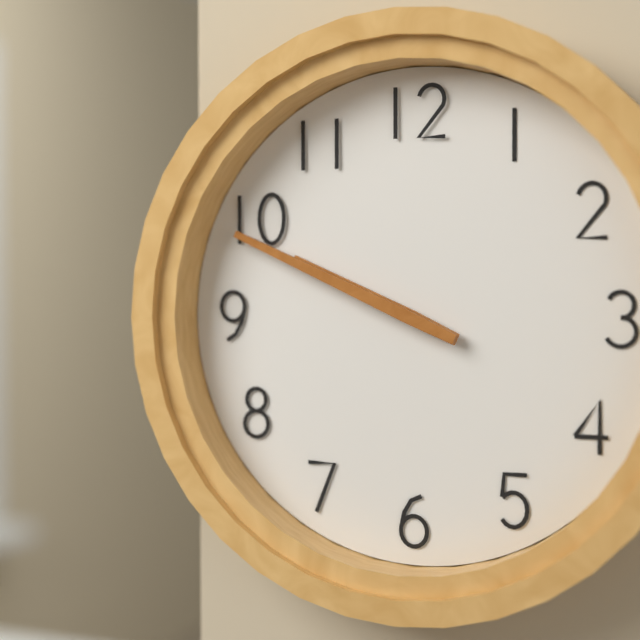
9:49
